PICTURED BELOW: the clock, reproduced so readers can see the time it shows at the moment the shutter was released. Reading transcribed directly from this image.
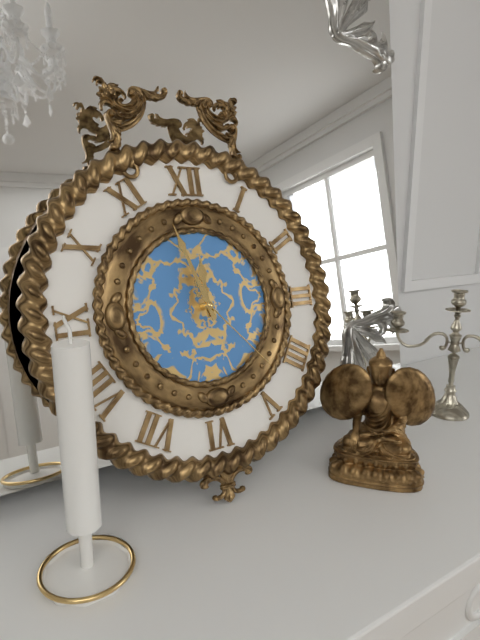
11:57:23
